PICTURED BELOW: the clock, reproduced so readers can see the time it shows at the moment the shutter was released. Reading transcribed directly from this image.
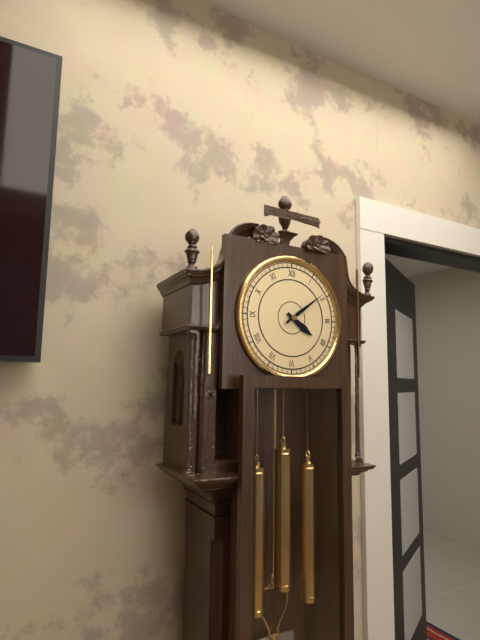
4:09
